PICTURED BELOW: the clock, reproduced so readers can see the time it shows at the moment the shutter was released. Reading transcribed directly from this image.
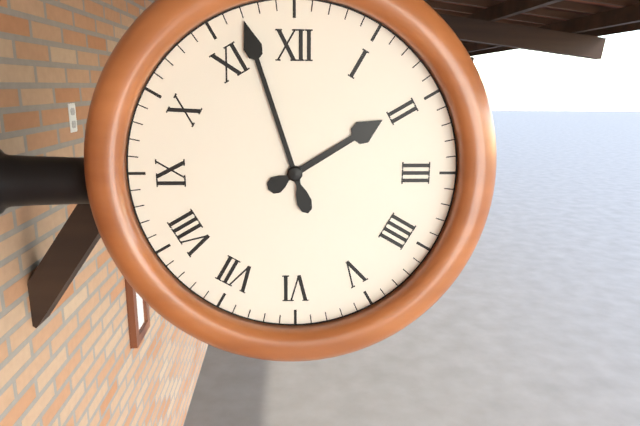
1:57
